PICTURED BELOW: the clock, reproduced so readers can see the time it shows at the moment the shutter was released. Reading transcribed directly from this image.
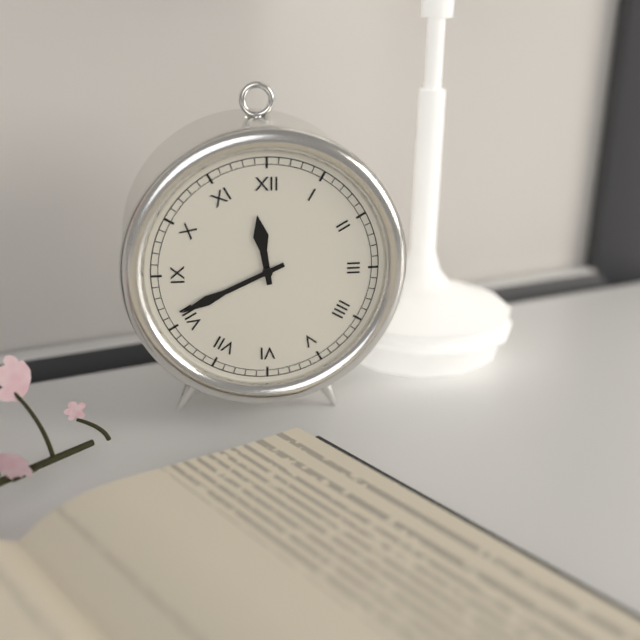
11:41
